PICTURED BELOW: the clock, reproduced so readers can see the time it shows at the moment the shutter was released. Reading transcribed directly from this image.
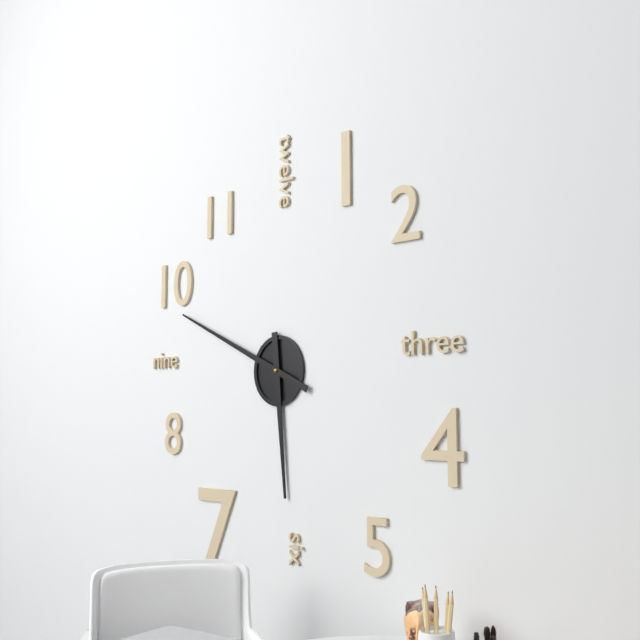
5:49
